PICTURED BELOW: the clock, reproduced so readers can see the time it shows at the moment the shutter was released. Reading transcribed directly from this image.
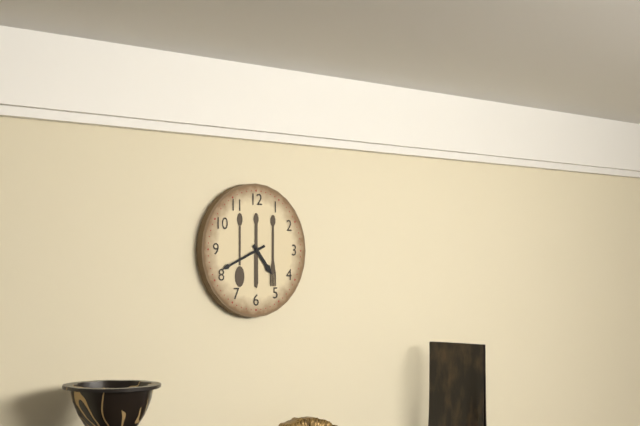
4:41
